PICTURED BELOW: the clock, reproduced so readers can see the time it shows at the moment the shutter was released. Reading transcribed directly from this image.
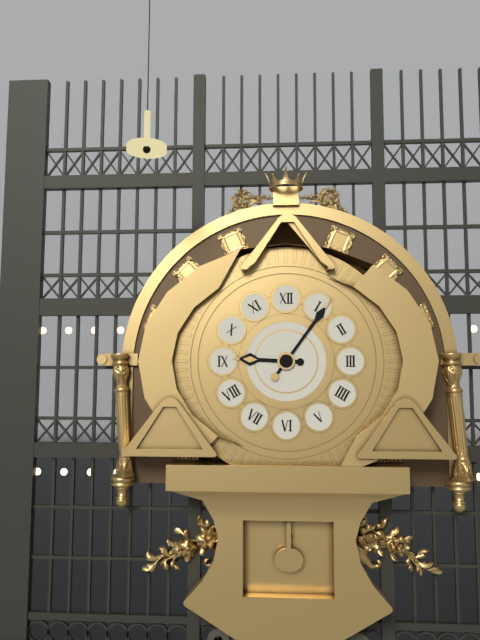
9:06
